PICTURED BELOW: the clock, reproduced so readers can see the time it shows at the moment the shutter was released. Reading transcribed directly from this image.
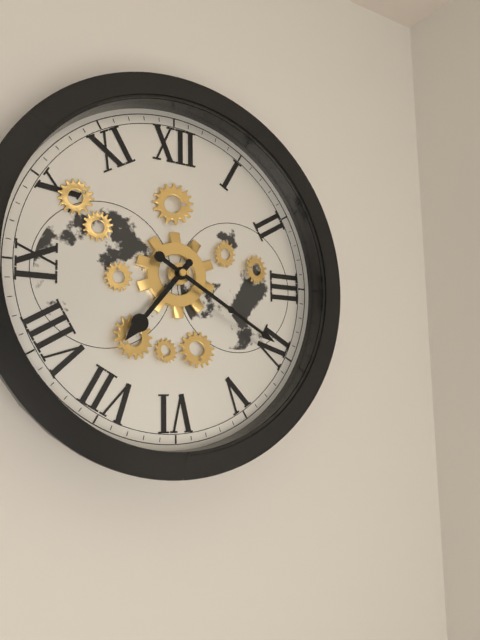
7:20
